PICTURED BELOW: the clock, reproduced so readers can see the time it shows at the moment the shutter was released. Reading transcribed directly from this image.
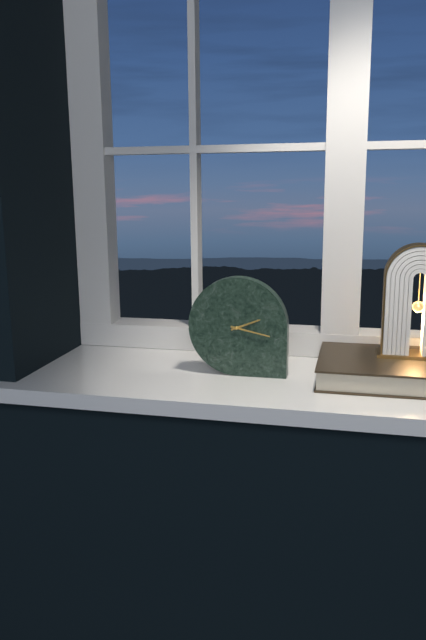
2:17
